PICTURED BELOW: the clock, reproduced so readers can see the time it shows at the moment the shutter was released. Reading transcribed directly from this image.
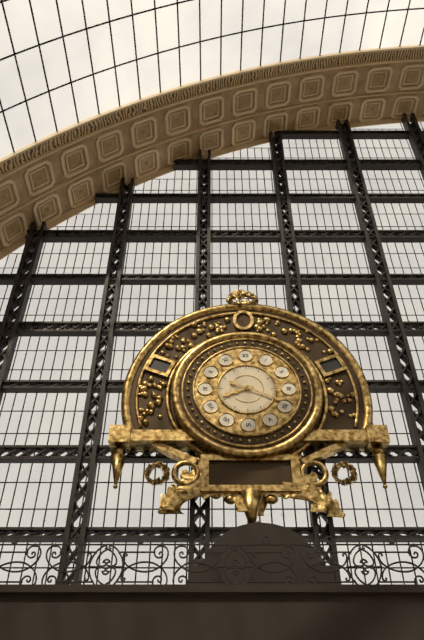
8:19
